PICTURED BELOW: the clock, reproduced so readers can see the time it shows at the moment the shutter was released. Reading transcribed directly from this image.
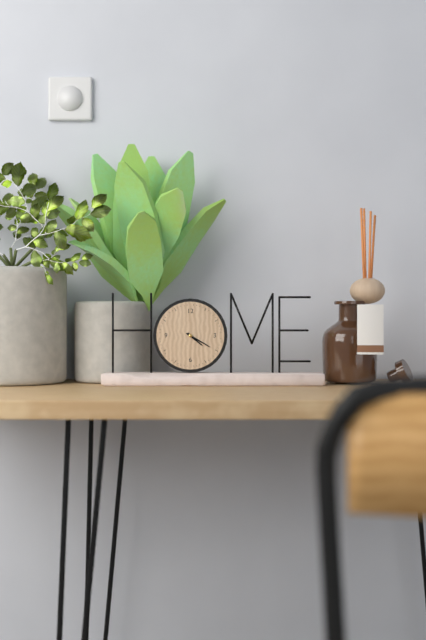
4:20
